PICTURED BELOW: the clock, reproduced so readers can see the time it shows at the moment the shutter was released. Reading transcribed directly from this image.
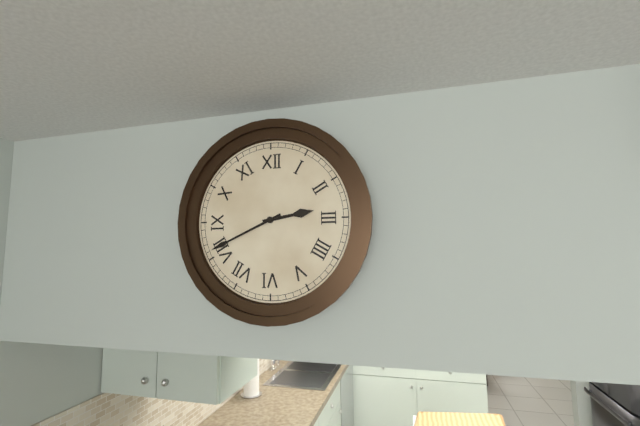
2:41
